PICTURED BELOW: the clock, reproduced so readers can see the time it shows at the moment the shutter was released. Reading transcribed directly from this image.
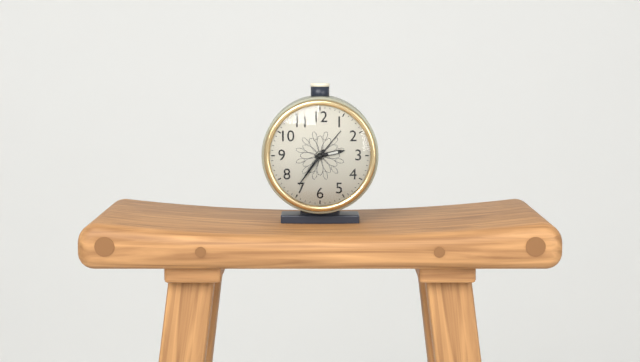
2:36
